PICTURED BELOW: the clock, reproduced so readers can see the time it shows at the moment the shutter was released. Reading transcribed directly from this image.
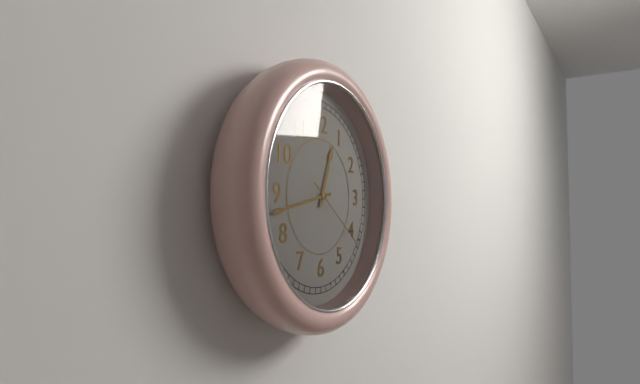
12:43:21
